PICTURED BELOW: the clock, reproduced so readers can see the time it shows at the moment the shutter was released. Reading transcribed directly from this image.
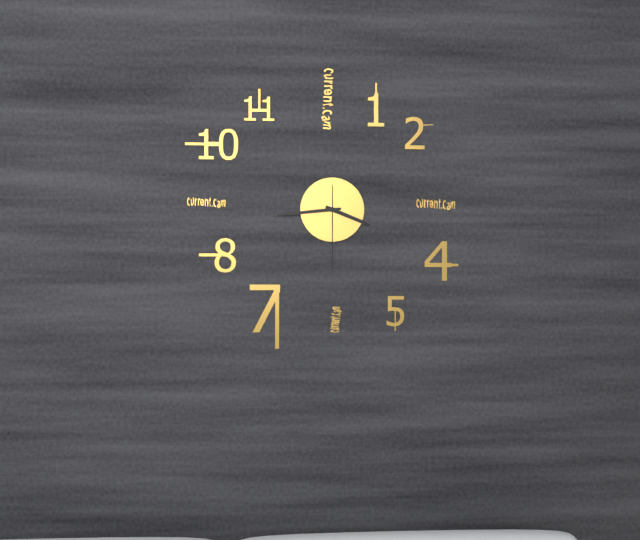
3:44:30
